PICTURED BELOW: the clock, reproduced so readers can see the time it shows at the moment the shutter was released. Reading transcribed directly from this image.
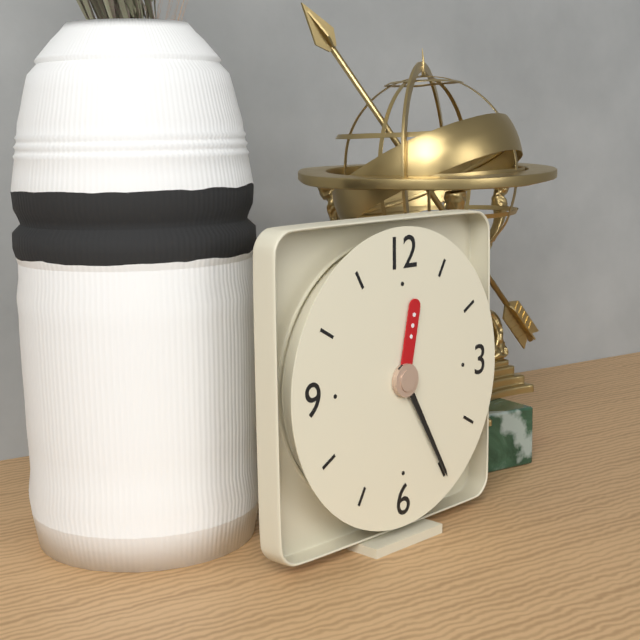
12:25
